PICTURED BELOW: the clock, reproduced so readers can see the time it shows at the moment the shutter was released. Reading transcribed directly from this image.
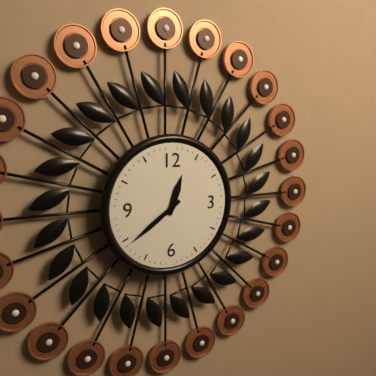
12:39
